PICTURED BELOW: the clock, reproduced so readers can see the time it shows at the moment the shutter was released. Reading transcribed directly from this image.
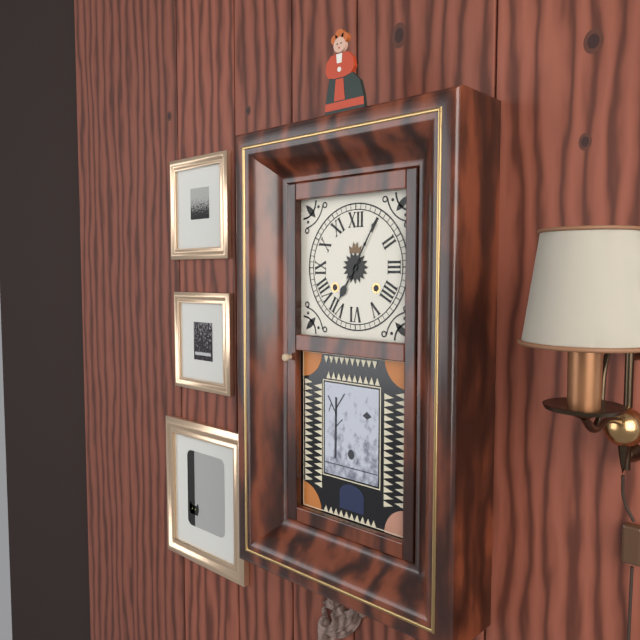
7:05
